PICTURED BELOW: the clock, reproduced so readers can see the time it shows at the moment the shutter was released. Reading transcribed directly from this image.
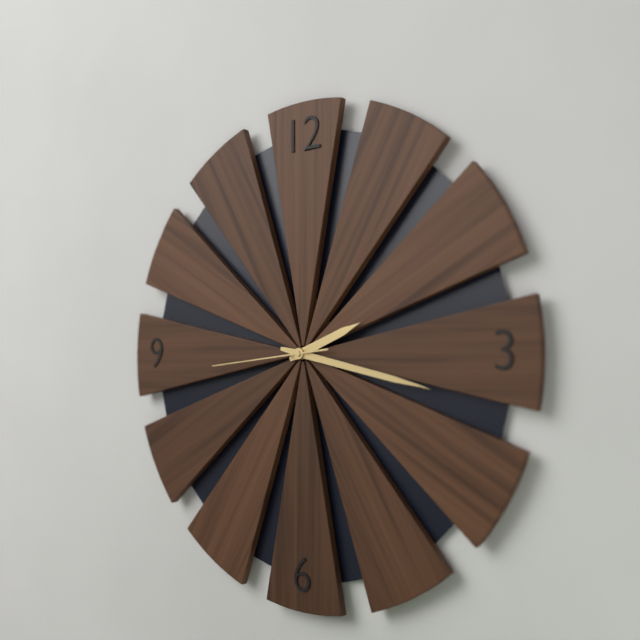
2:17:44
